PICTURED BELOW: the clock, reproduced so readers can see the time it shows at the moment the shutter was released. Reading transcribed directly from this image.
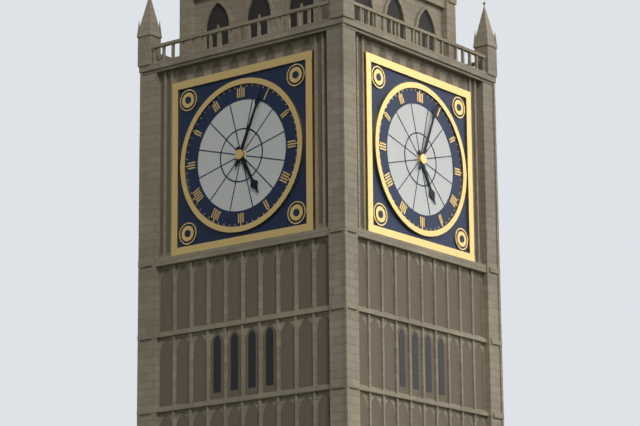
5:04
